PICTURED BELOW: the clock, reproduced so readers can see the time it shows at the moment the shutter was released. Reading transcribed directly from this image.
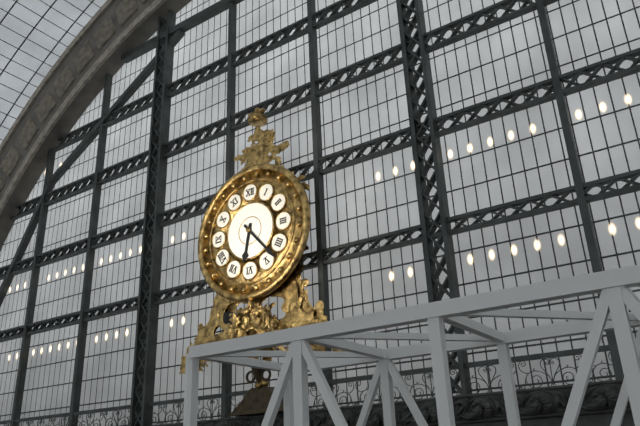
6:23
